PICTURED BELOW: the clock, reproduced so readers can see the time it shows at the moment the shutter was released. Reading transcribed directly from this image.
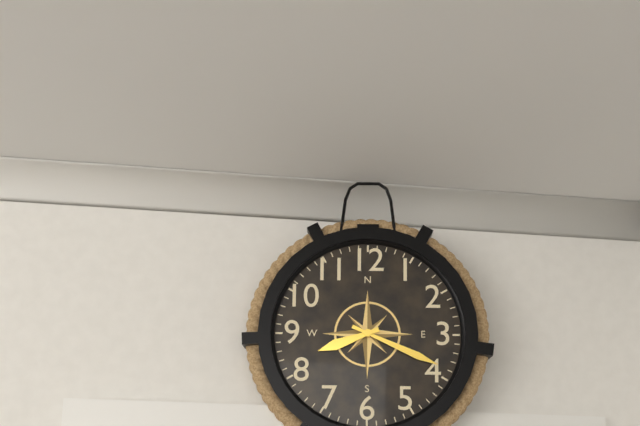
8:19
